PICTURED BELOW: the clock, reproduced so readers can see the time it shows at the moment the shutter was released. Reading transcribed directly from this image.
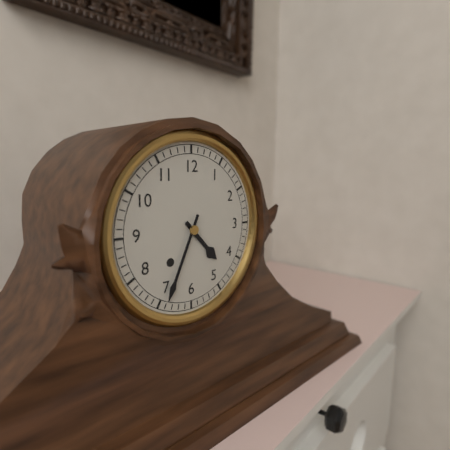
4:34
